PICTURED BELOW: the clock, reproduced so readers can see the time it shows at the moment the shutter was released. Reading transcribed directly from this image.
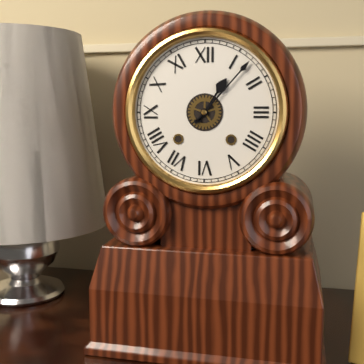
1:07
